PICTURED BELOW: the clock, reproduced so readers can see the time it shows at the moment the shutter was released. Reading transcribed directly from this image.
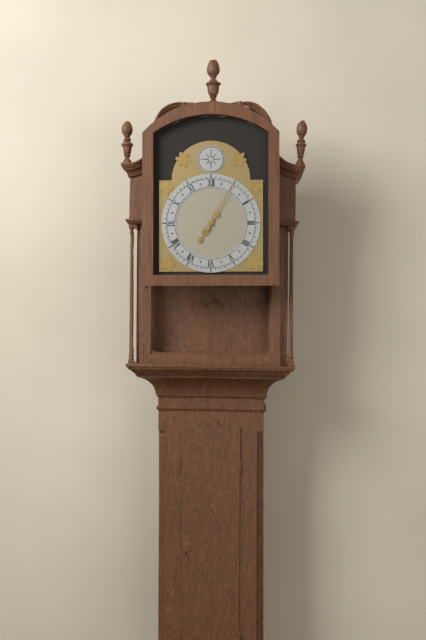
7:05
